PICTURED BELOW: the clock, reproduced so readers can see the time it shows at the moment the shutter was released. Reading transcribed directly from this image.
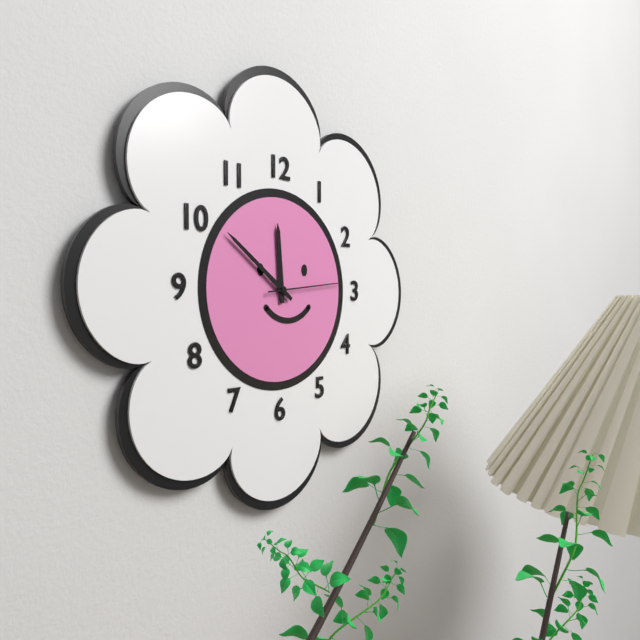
11:51:14
